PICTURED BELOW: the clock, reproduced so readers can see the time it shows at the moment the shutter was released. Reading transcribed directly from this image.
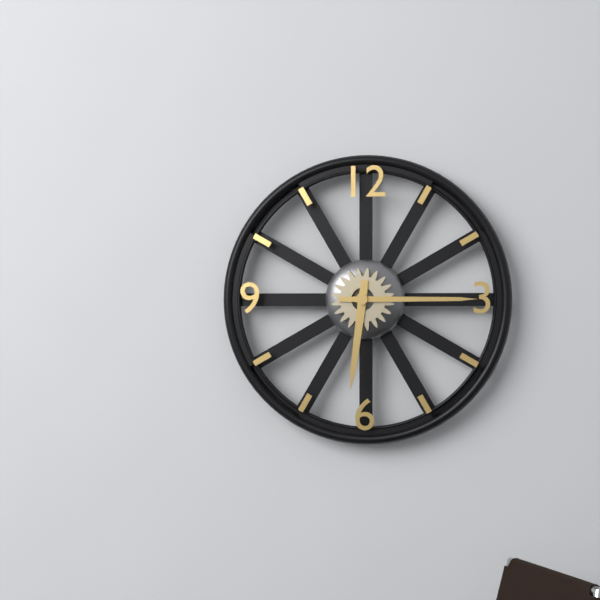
6:15
